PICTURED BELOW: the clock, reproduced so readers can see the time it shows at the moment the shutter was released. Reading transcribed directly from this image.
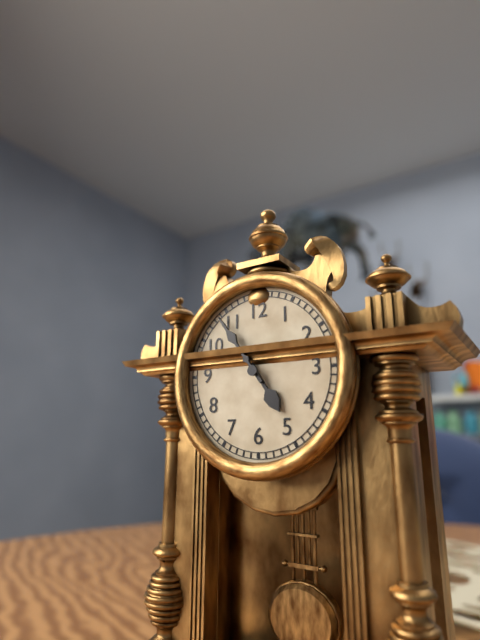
4:54
